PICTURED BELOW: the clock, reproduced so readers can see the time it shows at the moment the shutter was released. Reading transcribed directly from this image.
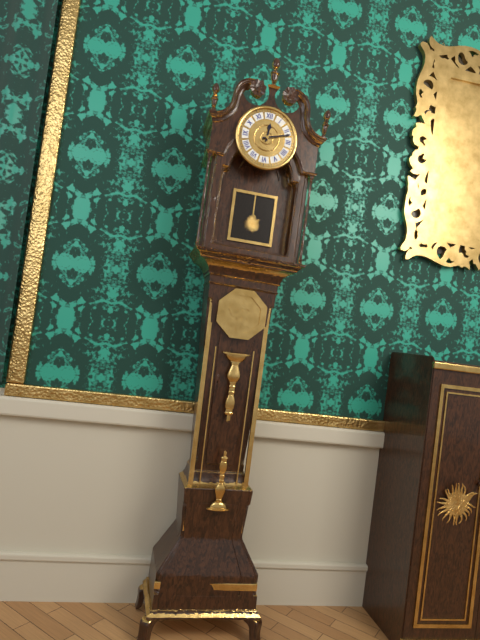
12:12
